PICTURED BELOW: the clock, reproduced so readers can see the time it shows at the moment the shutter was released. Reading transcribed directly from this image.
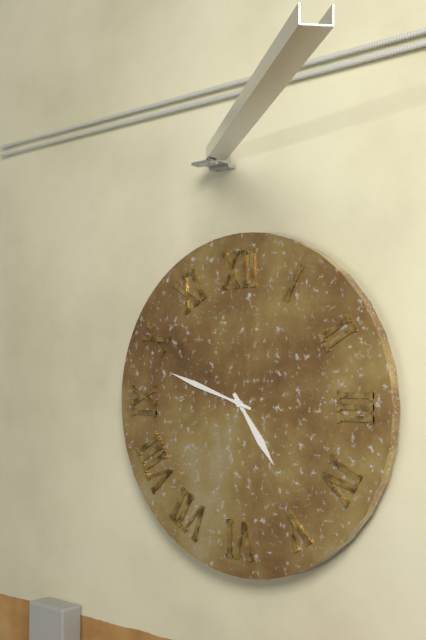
4:48
